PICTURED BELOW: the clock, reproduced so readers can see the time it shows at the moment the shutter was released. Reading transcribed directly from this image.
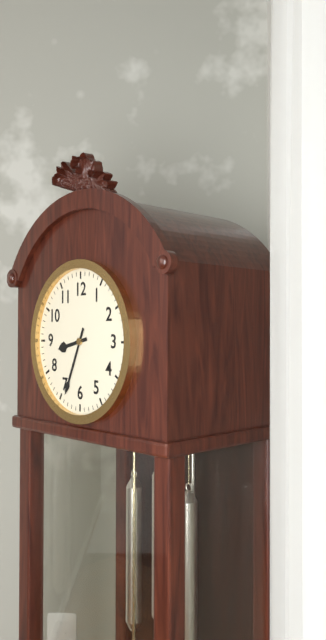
8:34
